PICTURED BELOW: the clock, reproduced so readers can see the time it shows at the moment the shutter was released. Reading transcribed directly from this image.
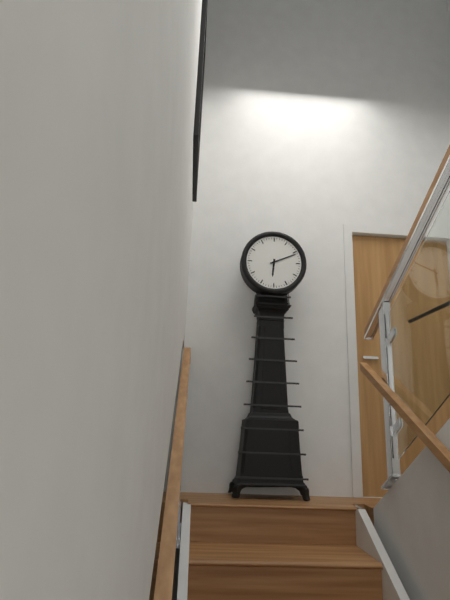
6:11
